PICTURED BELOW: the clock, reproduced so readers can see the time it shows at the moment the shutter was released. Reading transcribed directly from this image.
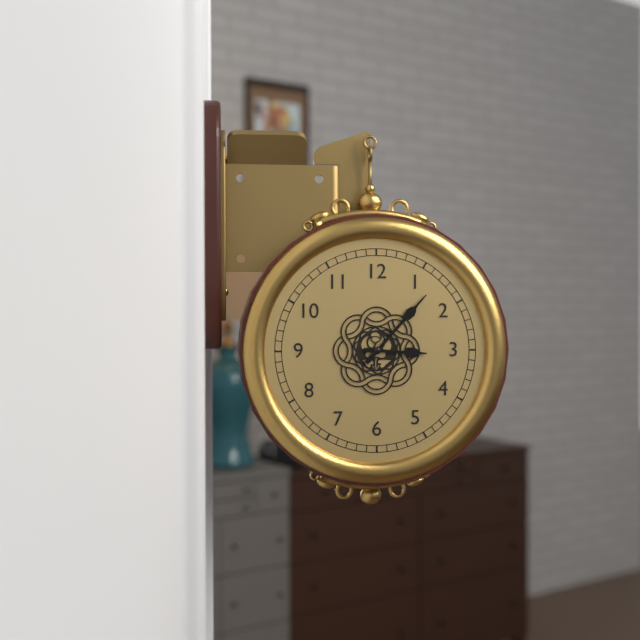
3:07
